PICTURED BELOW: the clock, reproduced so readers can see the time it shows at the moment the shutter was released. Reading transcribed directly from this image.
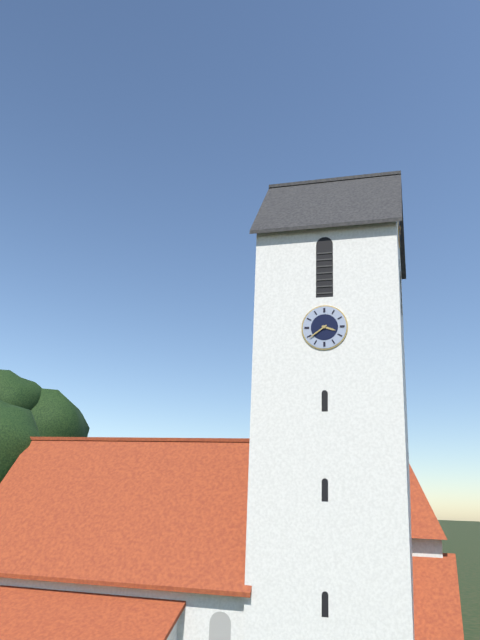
3:39
